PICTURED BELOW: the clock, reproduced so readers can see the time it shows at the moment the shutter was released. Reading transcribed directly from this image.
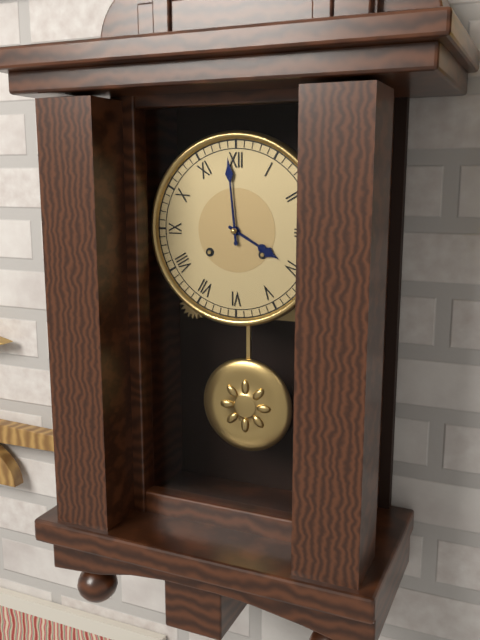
3:59
